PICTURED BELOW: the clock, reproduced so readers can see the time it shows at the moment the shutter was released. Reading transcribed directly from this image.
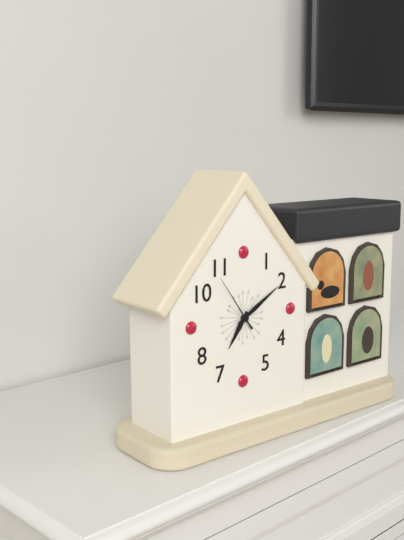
7:10
